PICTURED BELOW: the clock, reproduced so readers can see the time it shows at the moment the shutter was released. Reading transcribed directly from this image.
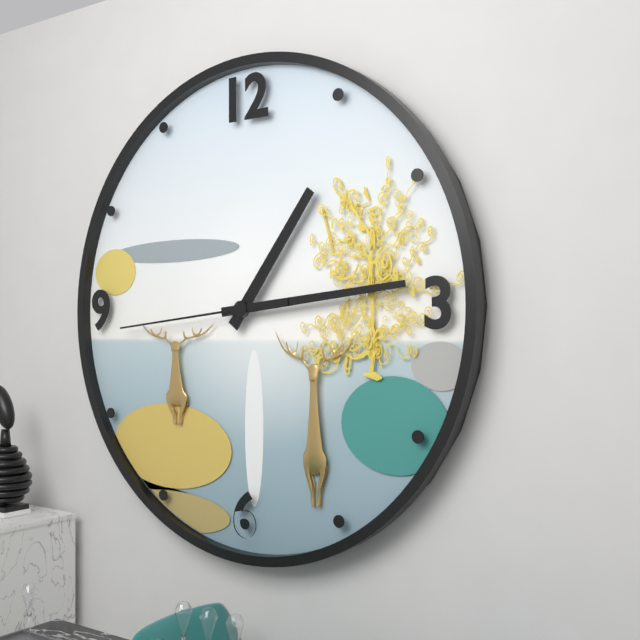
1:14:44
